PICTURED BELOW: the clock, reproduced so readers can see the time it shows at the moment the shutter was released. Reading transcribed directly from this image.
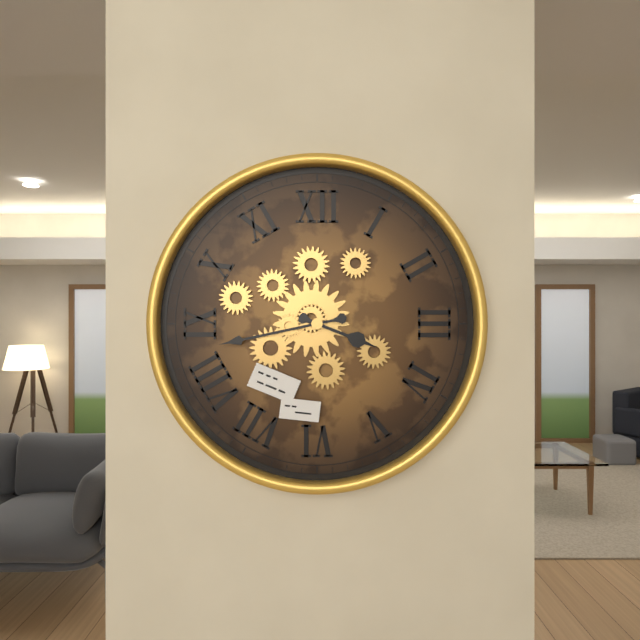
3:43
